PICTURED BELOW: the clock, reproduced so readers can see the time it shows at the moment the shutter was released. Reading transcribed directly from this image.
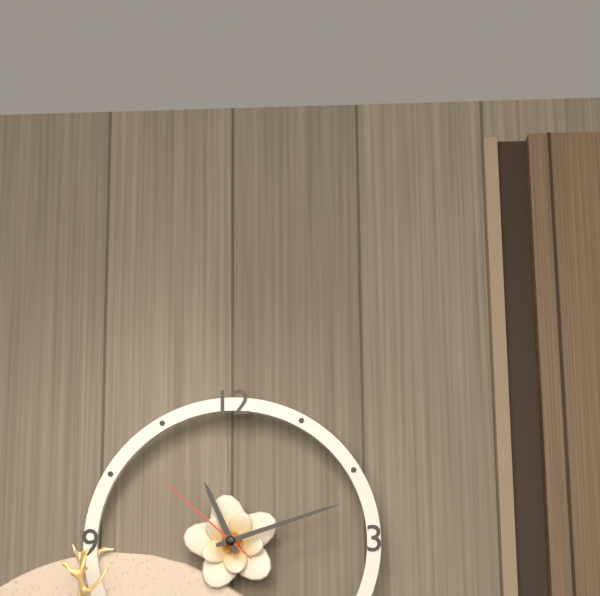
11:12:52
